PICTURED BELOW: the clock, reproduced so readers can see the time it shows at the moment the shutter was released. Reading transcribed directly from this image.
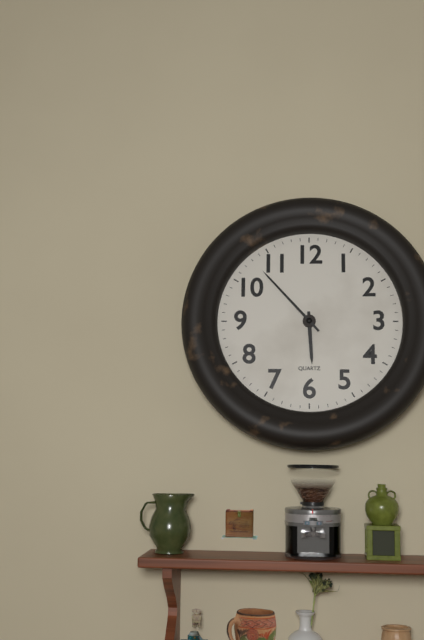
5:53
